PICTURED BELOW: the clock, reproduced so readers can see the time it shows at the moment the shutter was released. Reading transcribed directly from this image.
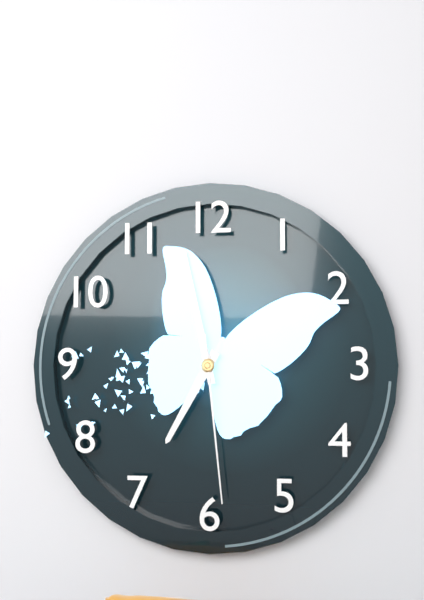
6:58:29
